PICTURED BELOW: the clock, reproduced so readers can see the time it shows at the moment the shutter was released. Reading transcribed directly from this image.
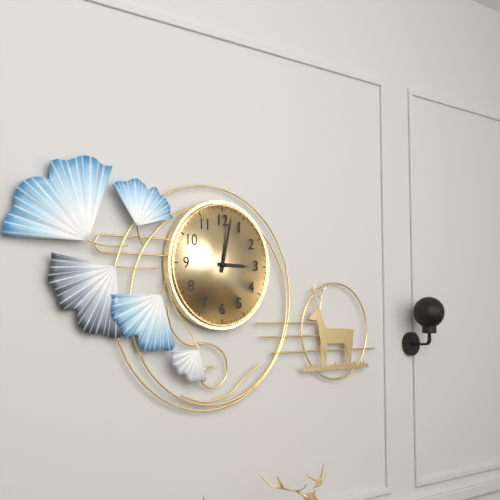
3:02
